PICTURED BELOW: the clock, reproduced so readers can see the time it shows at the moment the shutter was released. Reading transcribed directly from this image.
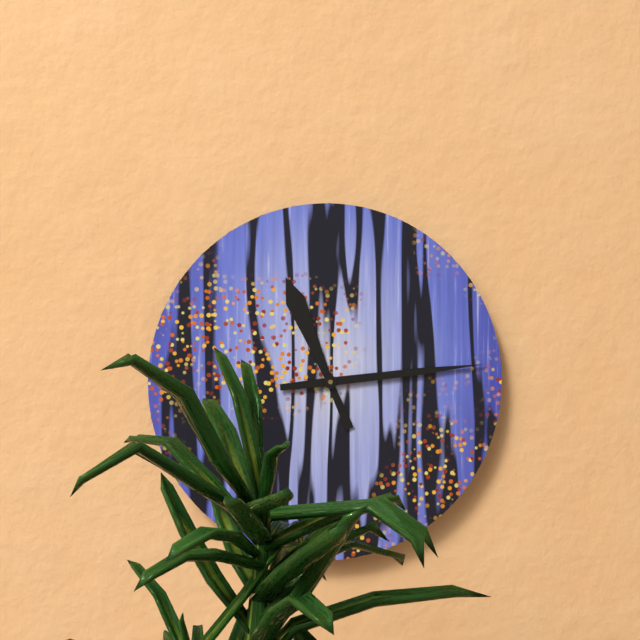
11:14
